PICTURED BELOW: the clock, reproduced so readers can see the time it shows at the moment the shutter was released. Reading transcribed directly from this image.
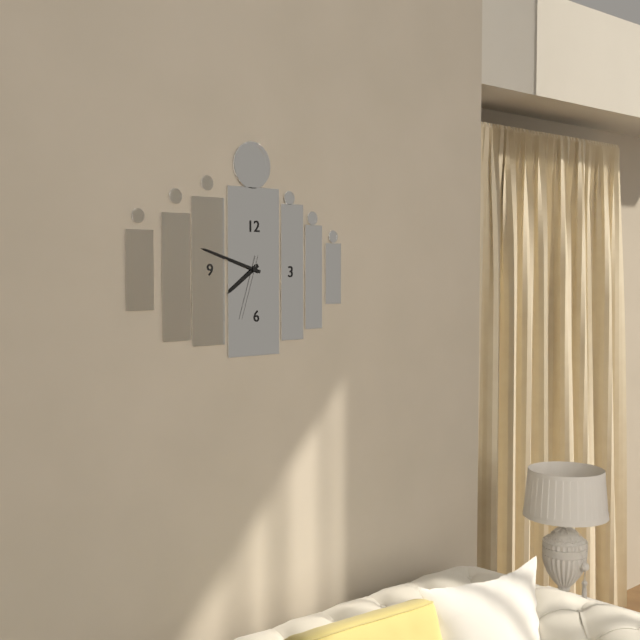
7:48:33
